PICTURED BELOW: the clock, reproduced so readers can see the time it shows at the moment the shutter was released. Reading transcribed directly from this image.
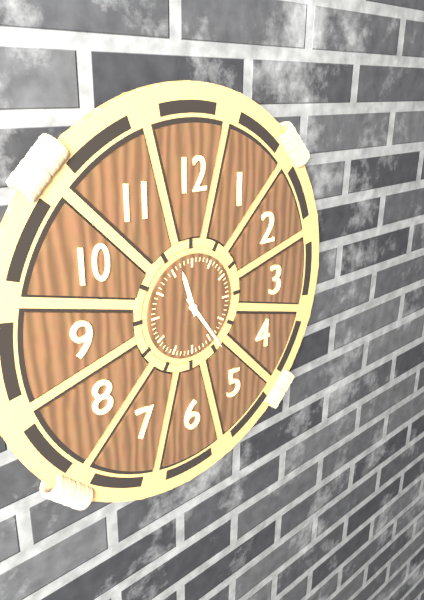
11:24
